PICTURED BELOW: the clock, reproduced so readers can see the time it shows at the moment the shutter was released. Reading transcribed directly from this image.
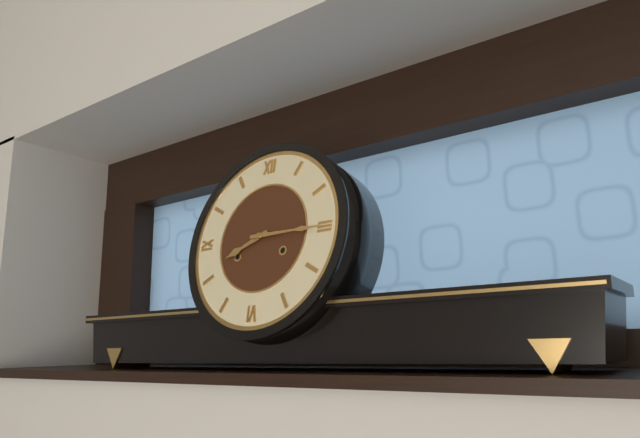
8:15
